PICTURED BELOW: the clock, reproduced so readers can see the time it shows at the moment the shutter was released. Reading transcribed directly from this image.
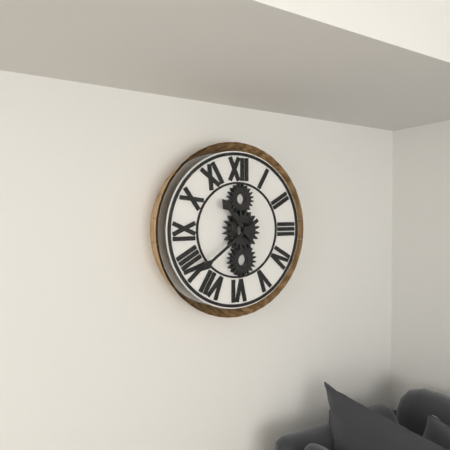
10:39
